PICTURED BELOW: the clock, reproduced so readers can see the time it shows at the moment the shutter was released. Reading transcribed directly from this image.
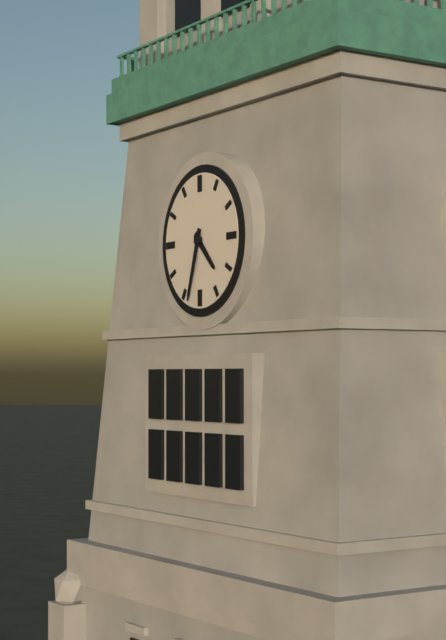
4:33
